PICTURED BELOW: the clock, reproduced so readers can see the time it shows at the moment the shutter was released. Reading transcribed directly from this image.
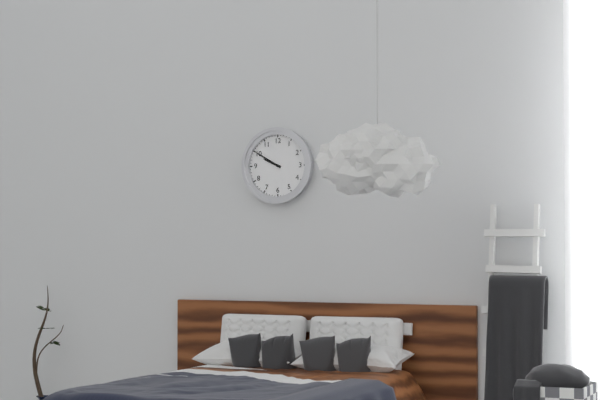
9:50
